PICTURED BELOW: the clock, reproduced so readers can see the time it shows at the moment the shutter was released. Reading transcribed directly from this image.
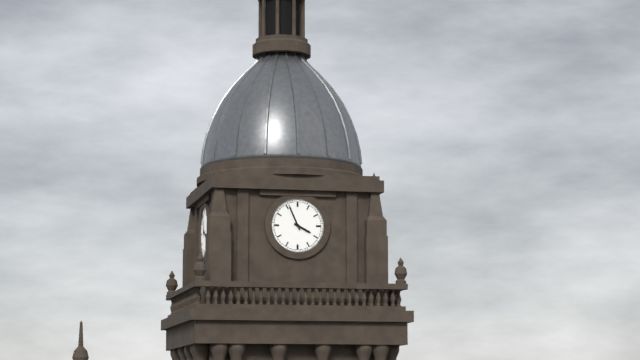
3:56
